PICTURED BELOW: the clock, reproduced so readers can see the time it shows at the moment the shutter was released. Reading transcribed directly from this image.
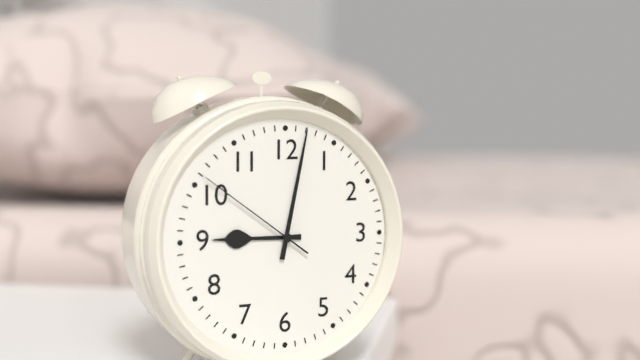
9:02:51
